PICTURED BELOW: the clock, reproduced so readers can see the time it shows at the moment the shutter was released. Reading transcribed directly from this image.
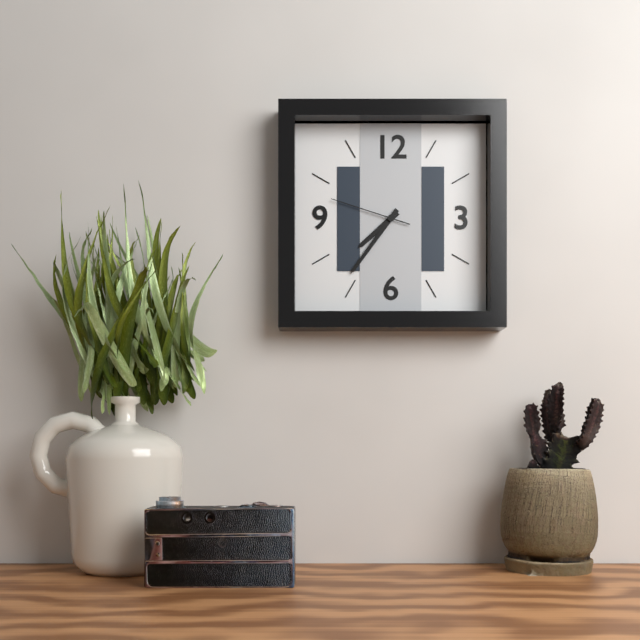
7:36:48
